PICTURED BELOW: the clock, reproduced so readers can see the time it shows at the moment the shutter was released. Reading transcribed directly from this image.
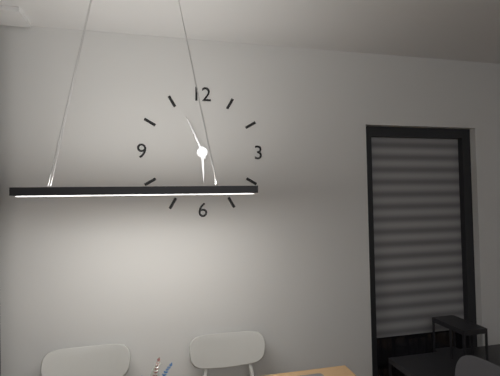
5:56
